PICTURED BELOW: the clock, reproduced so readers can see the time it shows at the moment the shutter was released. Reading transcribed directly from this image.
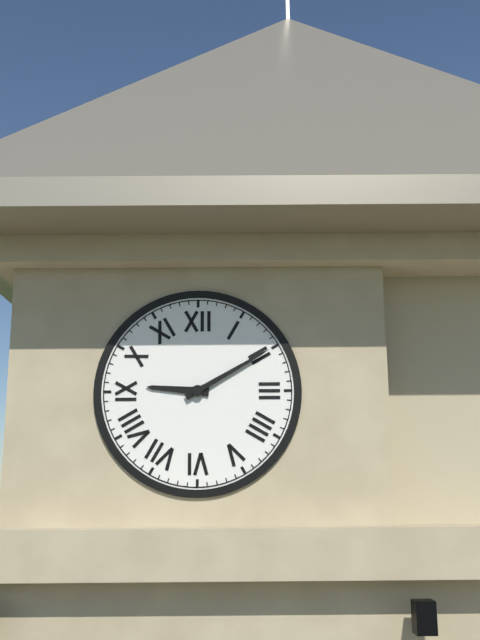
9:10
